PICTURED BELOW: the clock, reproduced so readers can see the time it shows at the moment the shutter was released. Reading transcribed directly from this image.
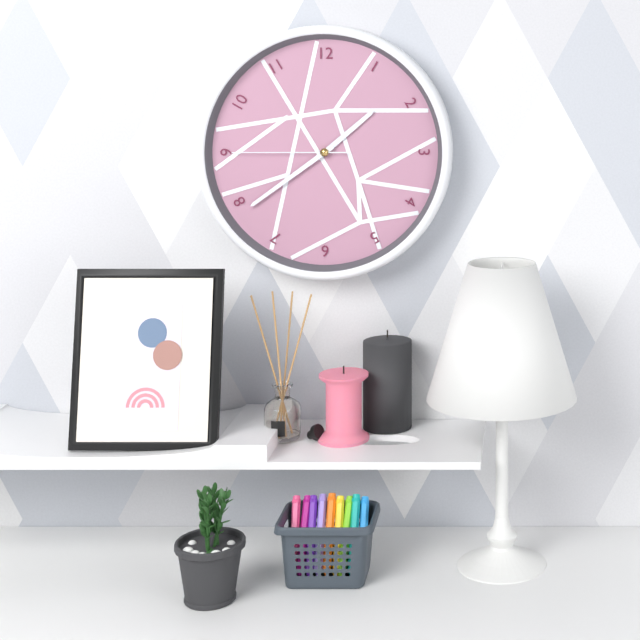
1:39:45
